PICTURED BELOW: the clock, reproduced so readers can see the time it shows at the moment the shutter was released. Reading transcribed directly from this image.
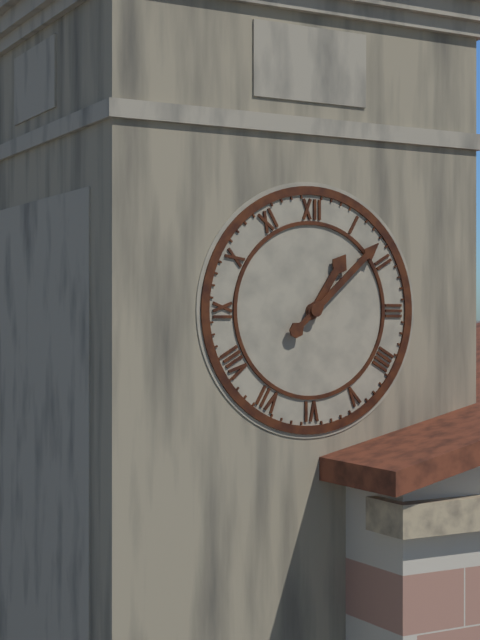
1:08
